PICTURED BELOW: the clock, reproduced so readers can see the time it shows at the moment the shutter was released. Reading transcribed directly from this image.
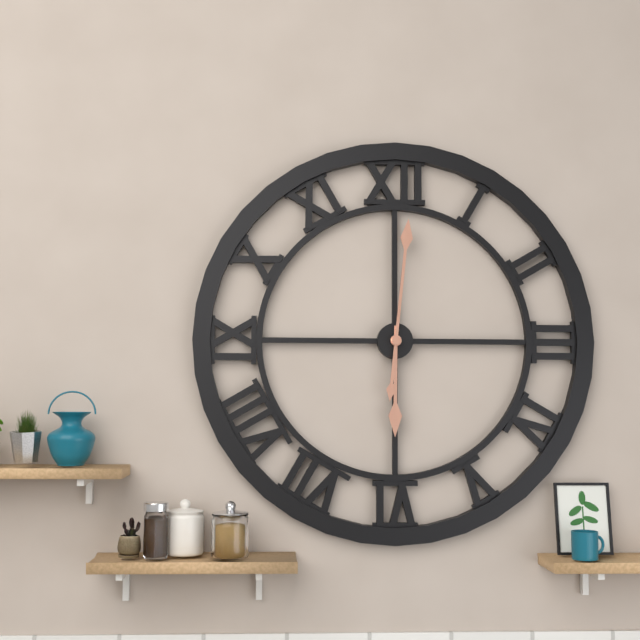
6:01
